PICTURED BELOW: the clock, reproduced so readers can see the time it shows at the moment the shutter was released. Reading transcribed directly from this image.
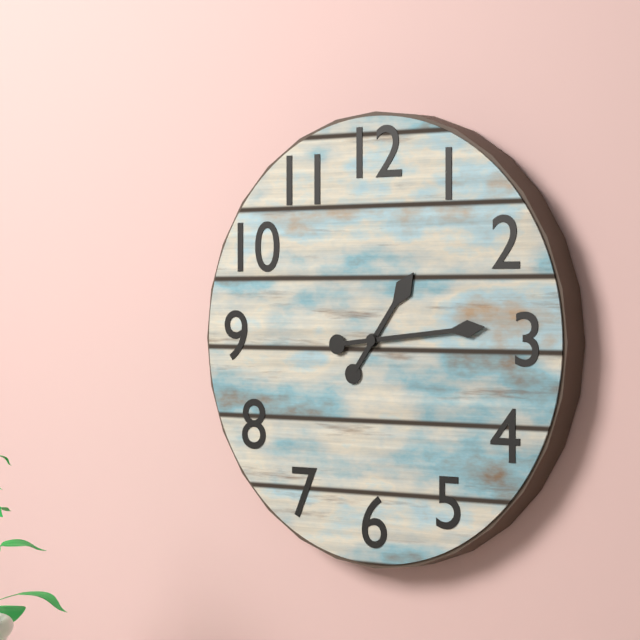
1:14
